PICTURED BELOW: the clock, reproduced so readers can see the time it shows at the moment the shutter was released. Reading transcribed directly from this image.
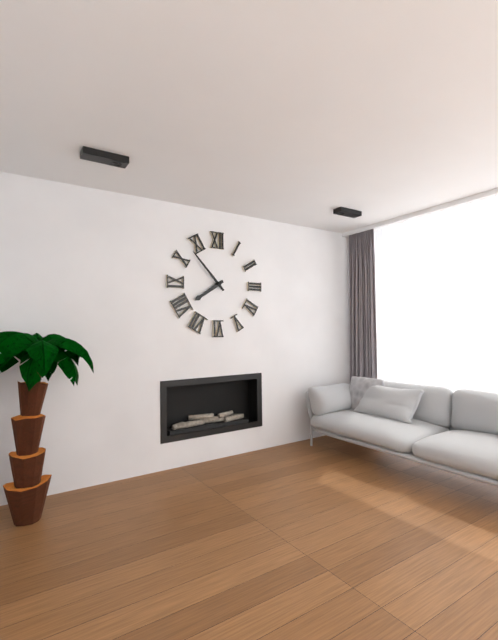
7:53
